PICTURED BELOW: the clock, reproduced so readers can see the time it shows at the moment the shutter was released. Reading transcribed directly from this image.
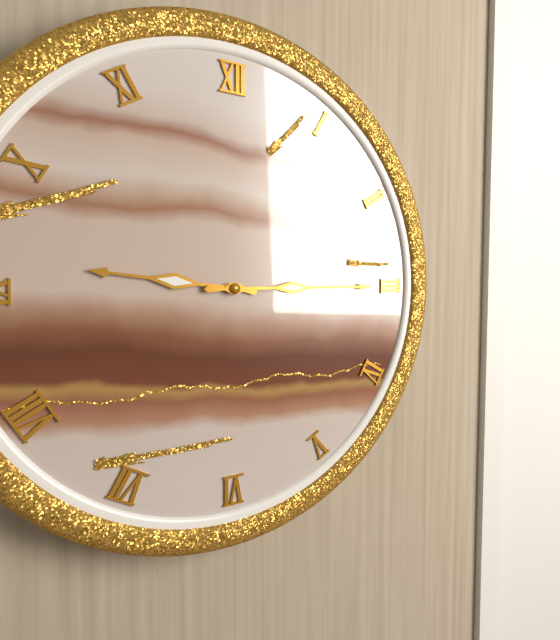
9:15
